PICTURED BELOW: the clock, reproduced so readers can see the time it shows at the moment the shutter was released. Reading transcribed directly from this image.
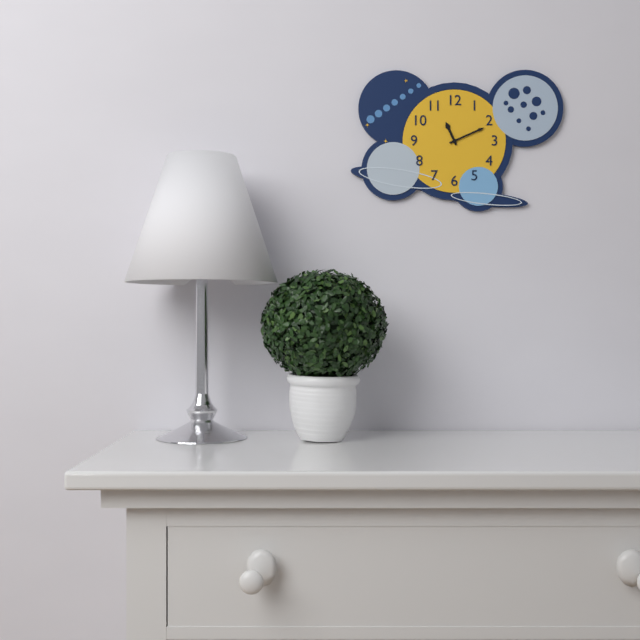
11:11
